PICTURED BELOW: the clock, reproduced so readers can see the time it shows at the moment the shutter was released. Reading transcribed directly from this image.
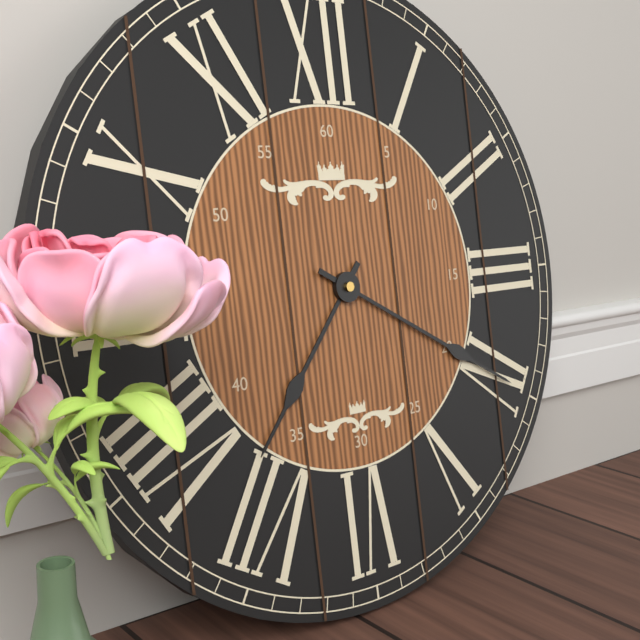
7:20
